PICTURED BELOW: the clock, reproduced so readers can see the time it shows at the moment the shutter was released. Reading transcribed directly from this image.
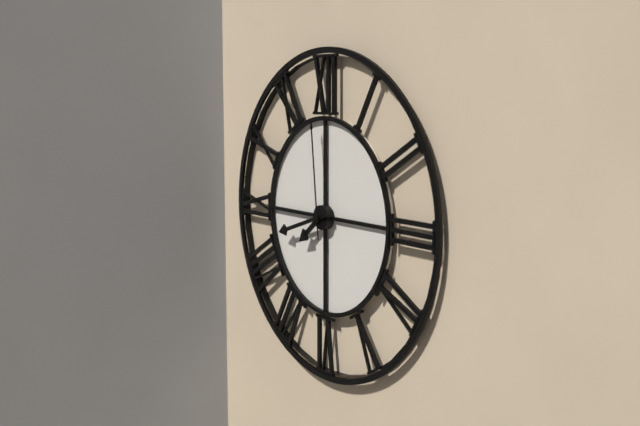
7:42:59
